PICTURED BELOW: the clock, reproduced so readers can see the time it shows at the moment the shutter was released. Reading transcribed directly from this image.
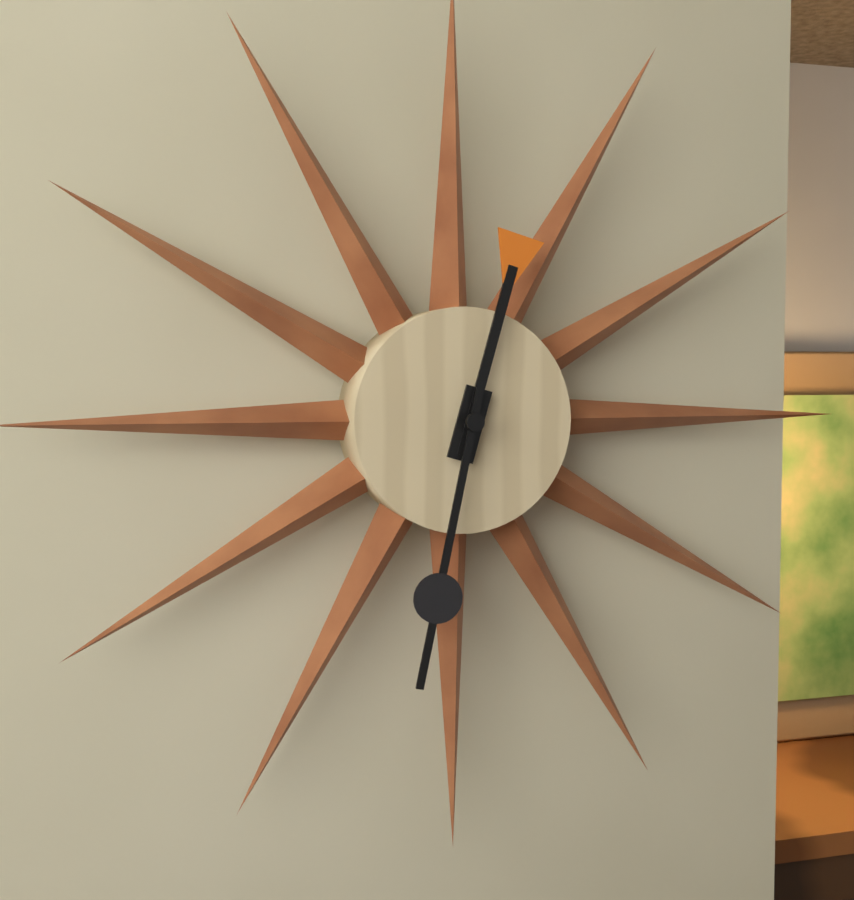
12:32
